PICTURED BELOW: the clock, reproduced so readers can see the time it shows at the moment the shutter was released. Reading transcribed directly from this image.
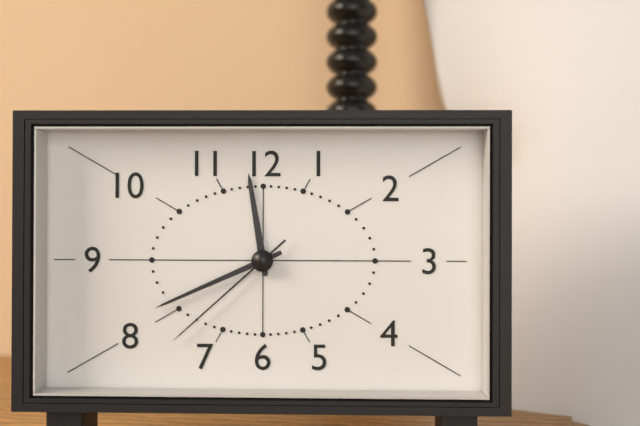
11:41:38
